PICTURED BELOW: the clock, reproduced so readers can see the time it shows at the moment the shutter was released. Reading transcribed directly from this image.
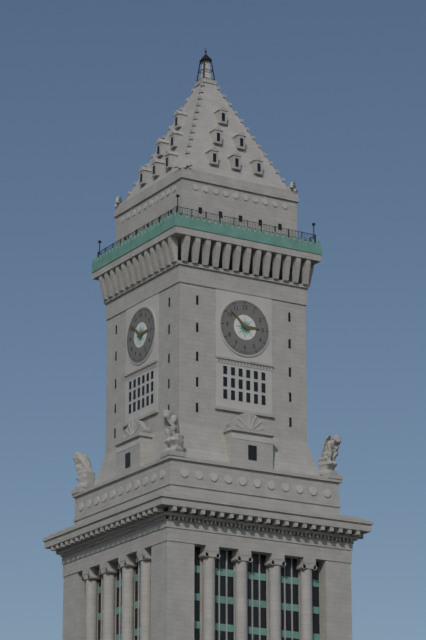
2:52
